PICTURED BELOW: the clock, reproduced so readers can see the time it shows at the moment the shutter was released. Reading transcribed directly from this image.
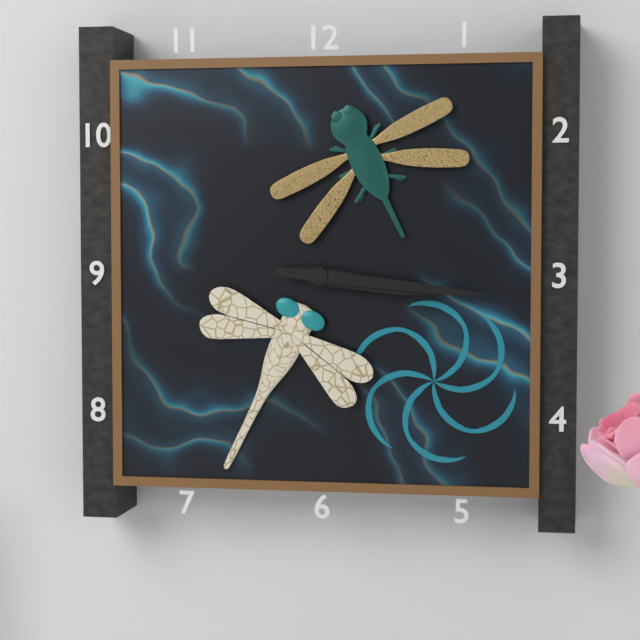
3:16
